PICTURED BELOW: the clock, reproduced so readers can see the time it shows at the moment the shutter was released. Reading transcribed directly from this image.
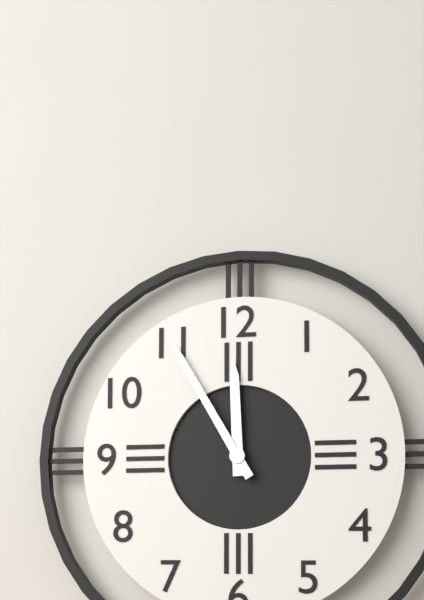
11:55
